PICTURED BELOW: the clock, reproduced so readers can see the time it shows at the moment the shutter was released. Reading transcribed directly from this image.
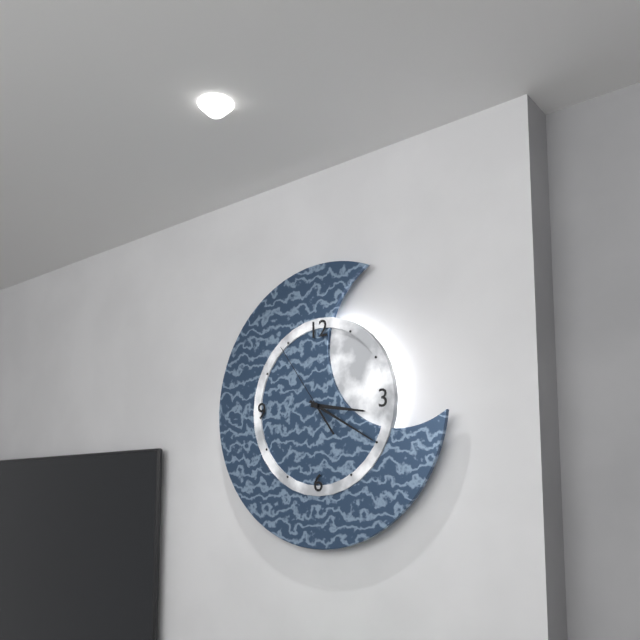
3:20:54
